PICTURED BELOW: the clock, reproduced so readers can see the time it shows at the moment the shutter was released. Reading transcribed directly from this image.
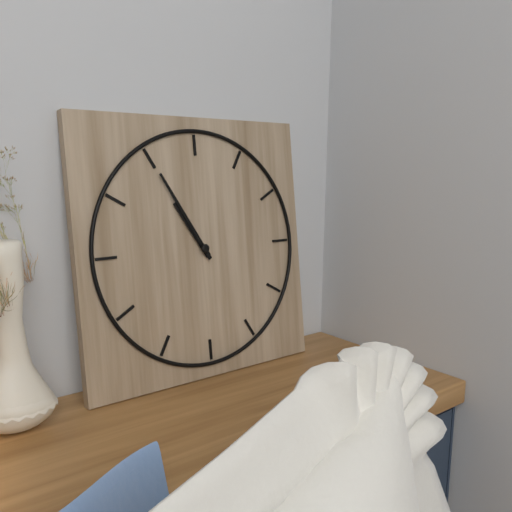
10:55
